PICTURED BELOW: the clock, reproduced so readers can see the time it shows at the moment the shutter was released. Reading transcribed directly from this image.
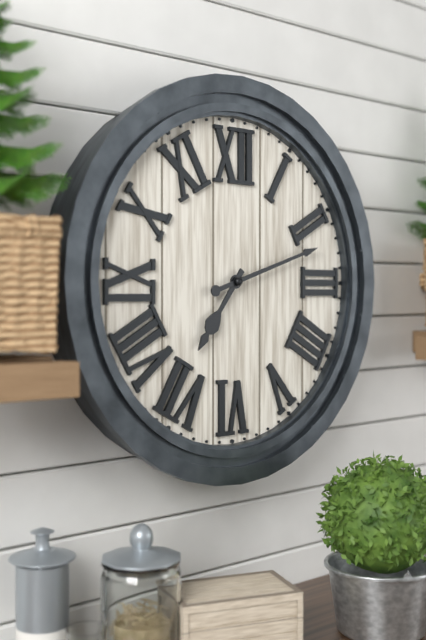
7:12
